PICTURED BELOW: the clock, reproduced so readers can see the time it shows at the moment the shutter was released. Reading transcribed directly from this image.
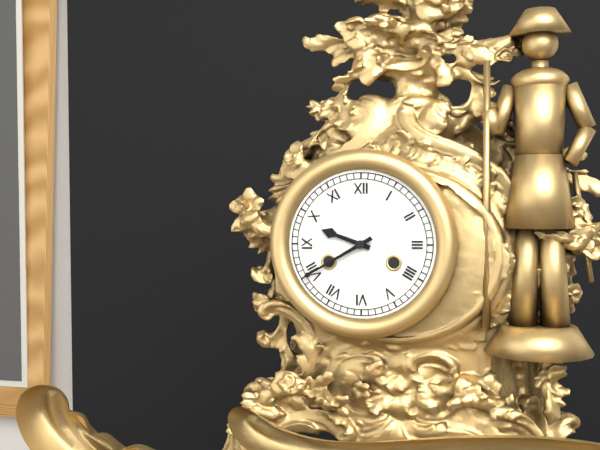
9:40
